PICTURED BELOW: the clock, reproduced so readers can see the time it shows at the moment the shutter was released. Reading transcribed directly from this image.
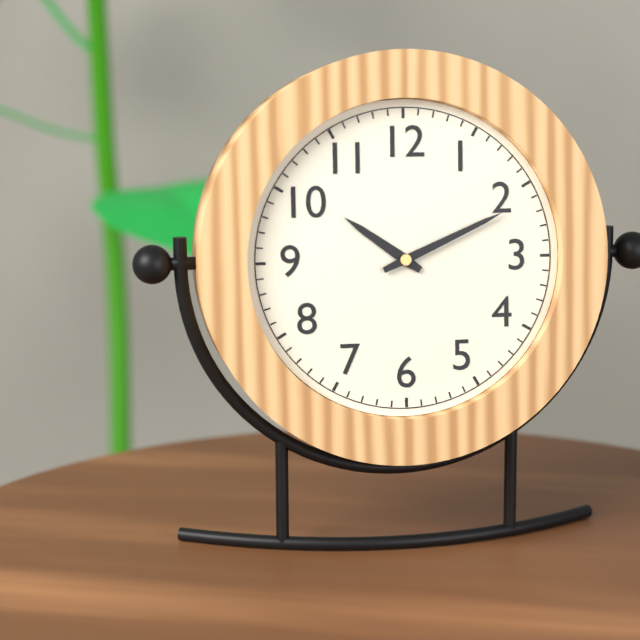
10:11
